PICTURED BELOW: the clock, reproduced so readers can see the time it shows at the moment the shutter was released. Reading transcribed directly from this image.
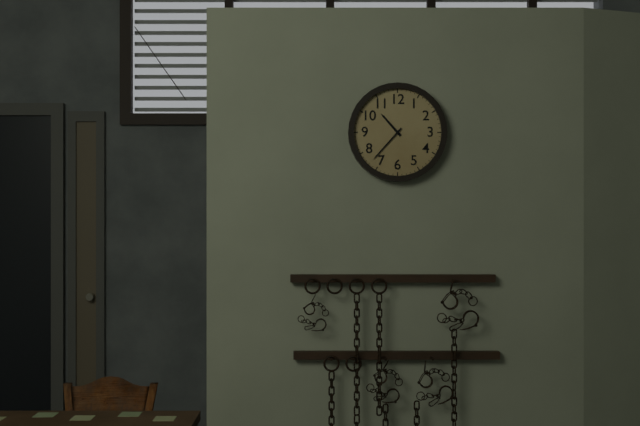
10:37
